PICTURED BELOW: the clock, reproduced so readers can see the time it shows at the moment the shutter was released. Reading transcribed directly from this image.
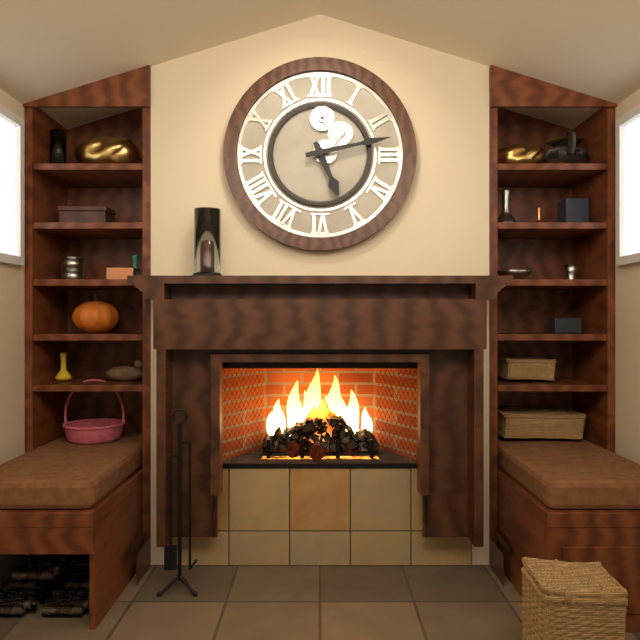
5:13
